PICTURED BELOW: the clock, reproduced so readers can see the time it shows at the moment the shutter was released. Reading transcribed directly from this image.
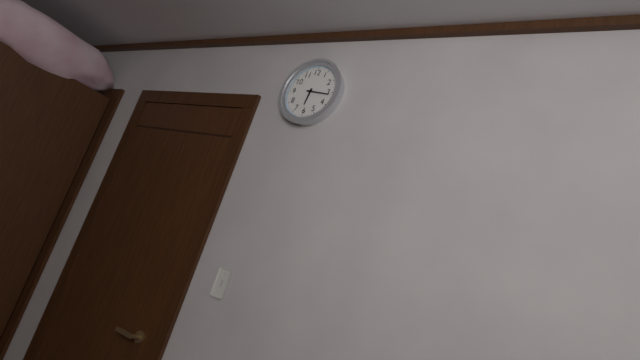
6:16
